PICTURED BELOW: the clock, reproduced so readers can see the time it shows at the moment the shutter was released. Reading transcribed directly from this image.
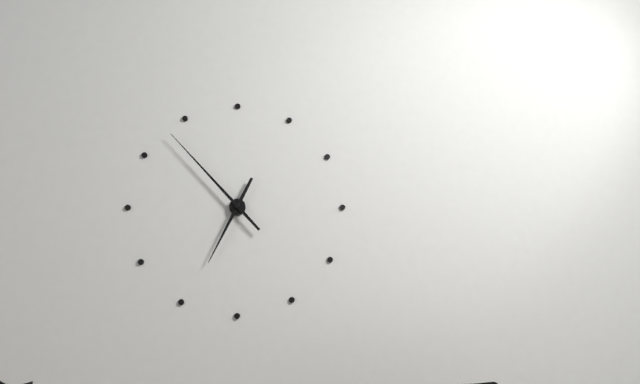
6:53
